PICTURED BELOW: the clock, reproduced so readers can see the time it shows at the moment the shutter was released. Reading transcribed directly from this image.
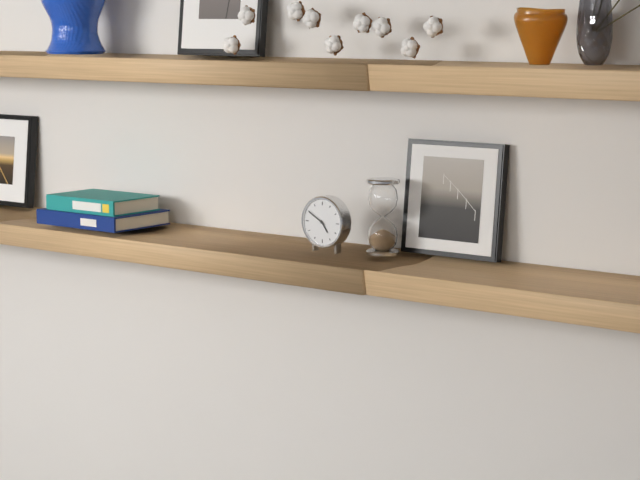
4:50
